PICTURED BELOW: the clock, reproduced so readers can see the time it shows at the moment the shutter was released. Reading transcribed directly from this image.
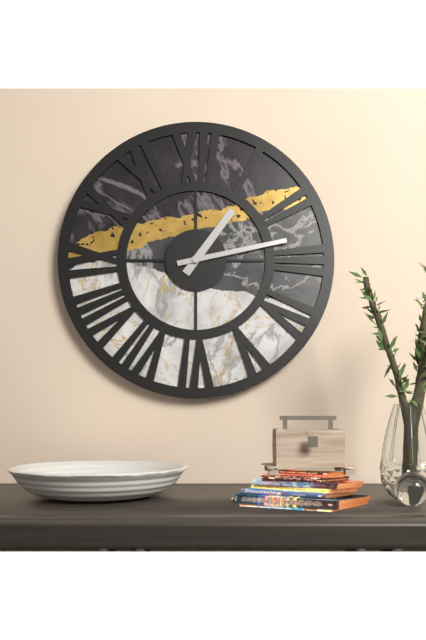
1:13
